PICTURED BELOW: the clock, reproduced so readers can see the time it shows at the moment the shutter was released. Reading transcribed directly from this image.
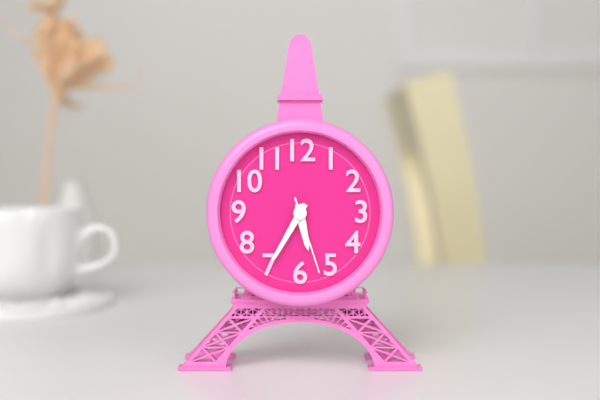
5:35:27
